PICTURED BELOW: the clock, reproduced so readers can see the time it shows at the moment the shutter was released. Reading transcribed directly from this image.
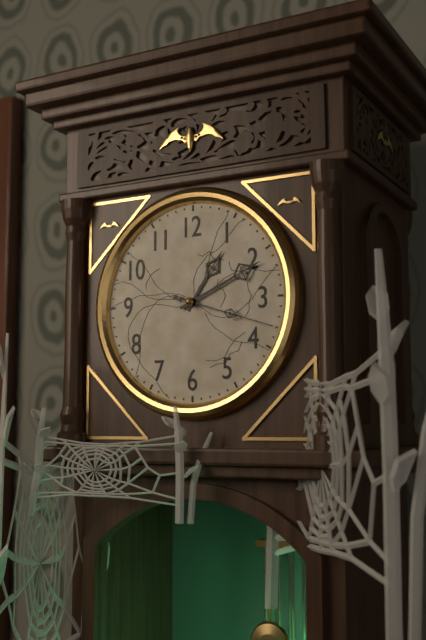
1:11:18
